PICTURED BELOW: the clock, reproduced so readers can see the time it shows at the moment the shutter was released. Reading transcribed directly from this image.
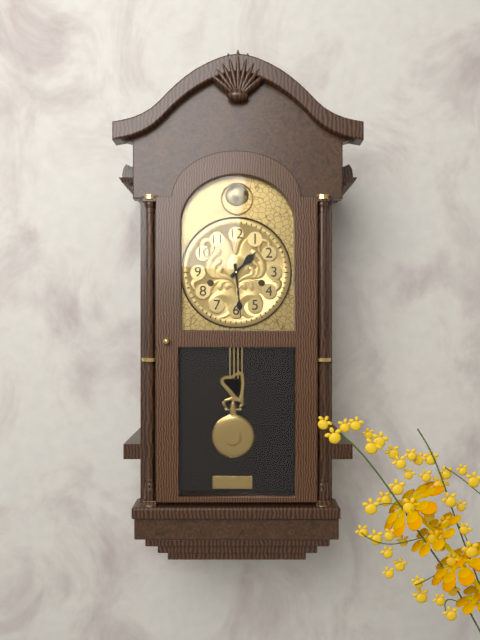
1:29
